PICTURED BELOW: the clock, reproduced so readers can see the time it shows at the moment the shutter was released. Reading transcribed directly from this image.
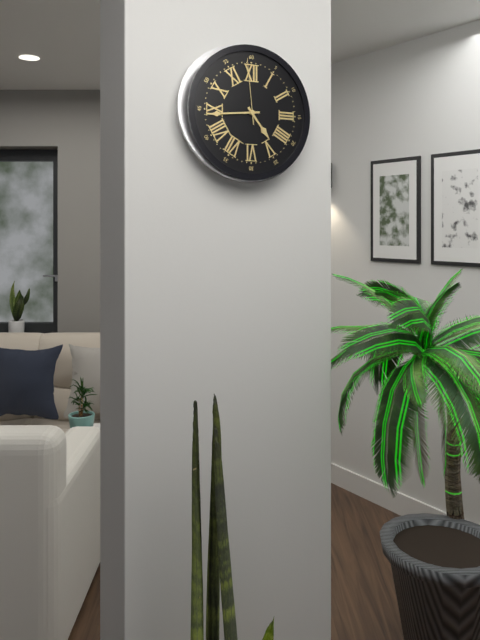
4:44:59
